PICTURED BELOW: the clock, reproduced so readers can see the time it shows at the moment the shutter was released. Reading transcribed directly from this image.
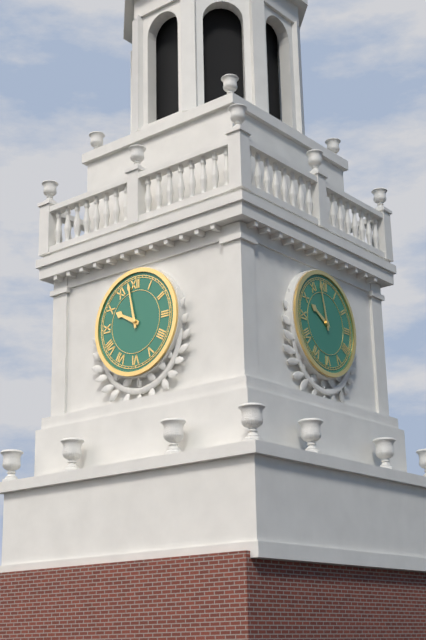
9:58
